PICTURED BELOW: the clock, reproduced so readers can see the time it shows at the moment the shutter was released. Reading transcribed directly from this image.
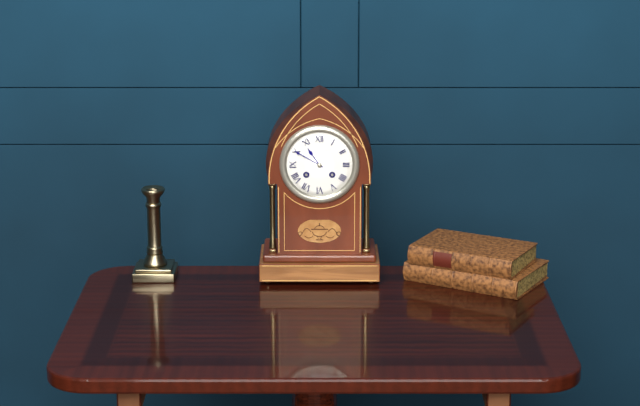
10:50
